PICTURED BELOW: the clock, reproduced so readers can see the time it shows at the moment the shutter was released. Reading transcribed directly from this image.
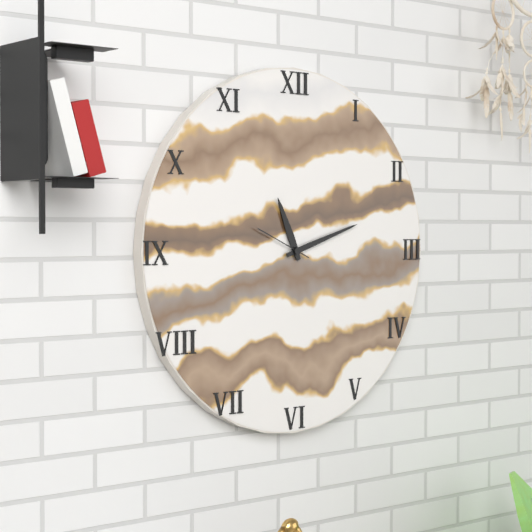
11:12
